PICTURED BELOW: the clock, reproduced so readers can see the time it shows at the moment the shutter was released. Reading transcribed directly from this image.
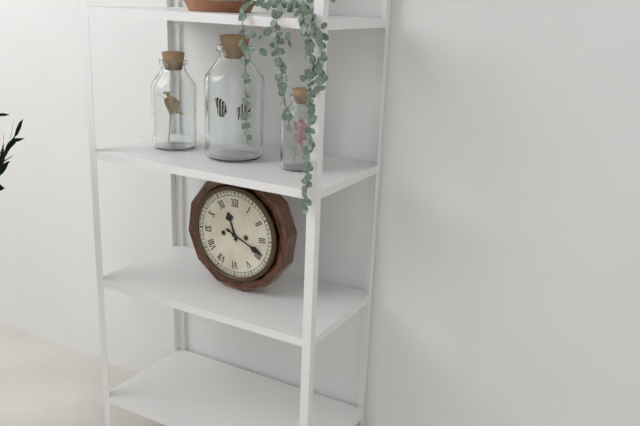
11:19
